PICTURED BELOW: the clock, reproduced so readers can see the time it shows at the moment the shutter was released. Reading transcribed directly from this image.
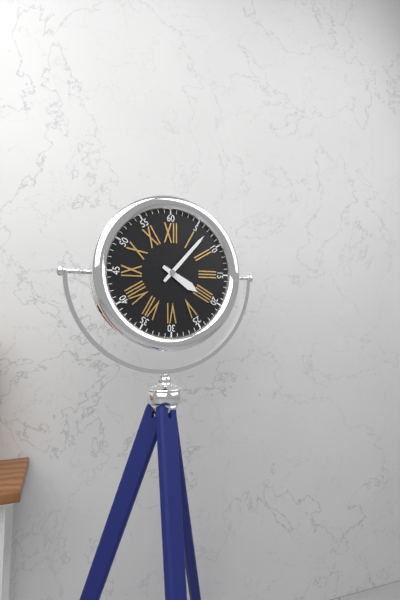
4:07
